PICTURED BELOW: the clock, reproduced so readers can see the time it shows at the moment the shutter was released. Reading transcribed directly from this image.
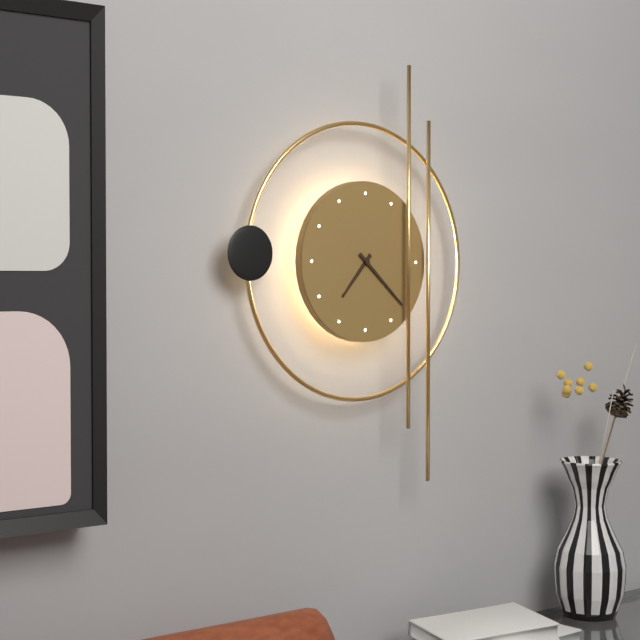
7:22
